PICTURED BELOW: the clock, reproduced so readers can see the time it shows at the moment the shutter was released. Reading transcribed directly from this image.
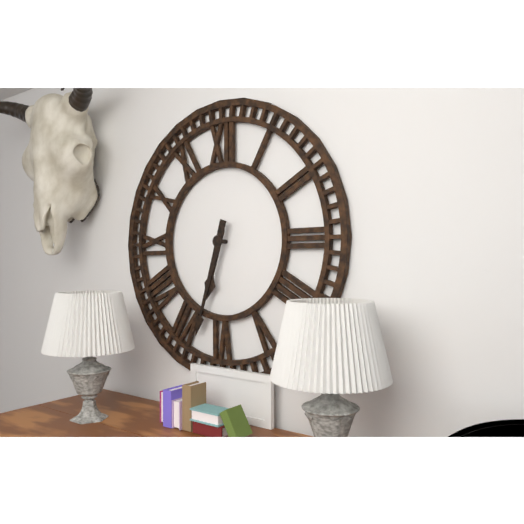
6:33
